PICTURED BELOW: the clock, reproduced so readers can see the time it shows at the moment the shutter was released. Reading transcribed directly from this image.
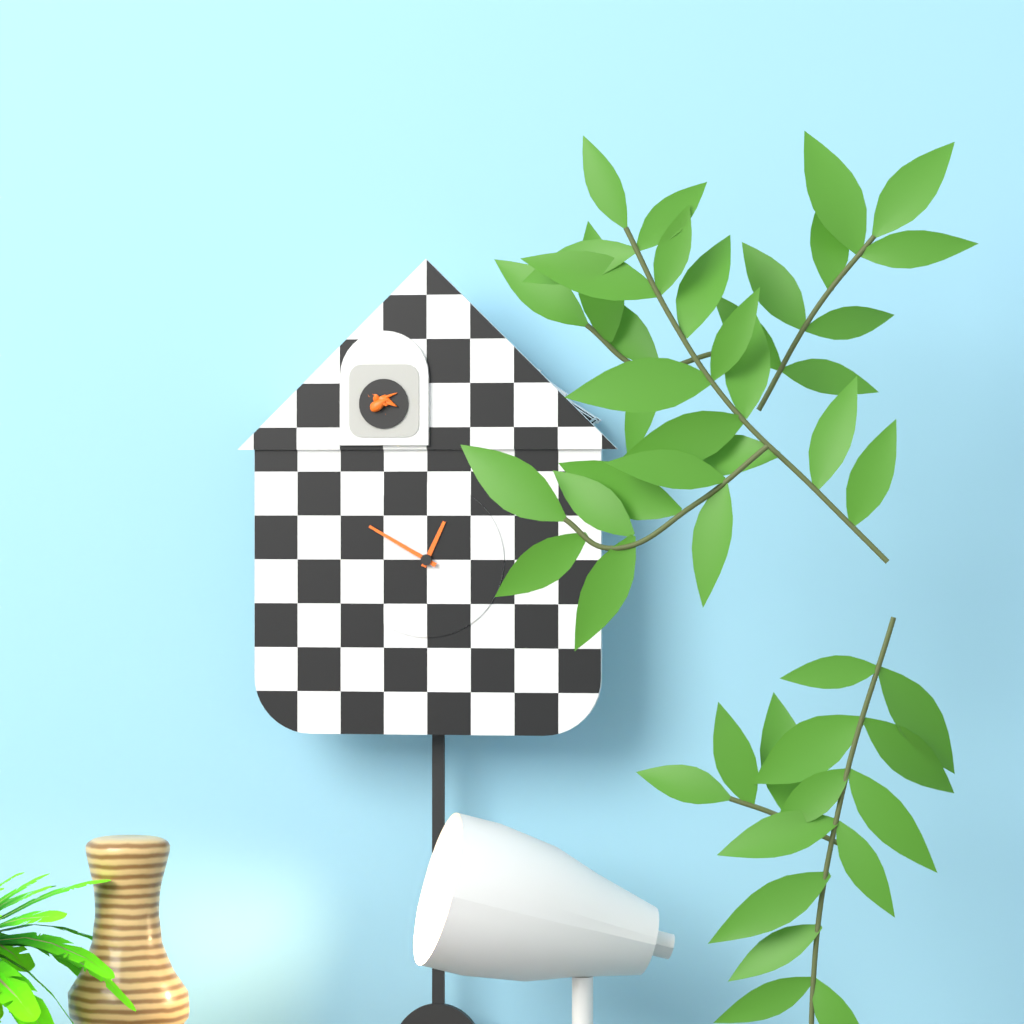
12:50
